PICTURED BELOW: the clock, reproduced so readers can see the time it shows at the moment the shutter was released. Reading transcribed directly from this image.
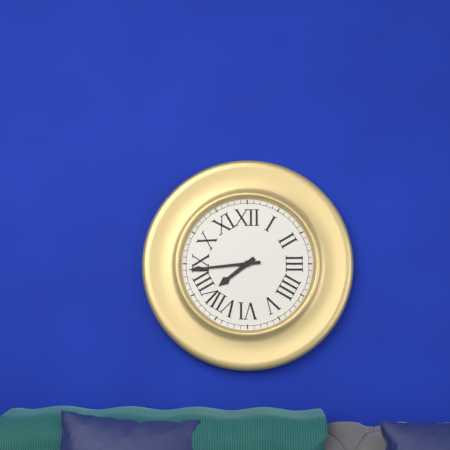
7:44
